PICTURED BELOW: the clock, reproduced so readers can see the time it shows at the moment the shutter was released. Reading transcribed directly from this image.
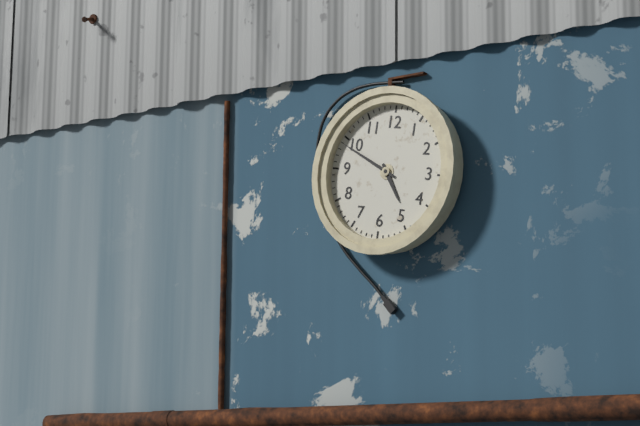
4:49
